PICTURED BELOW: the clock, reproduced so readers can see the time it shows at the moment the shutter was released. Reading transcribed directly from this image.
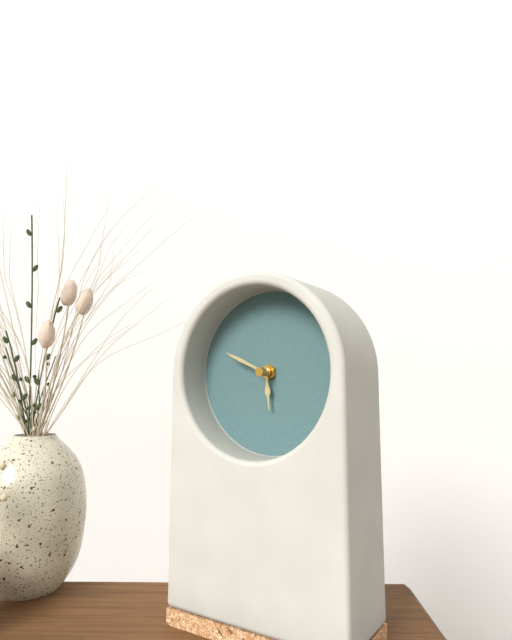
5:49
